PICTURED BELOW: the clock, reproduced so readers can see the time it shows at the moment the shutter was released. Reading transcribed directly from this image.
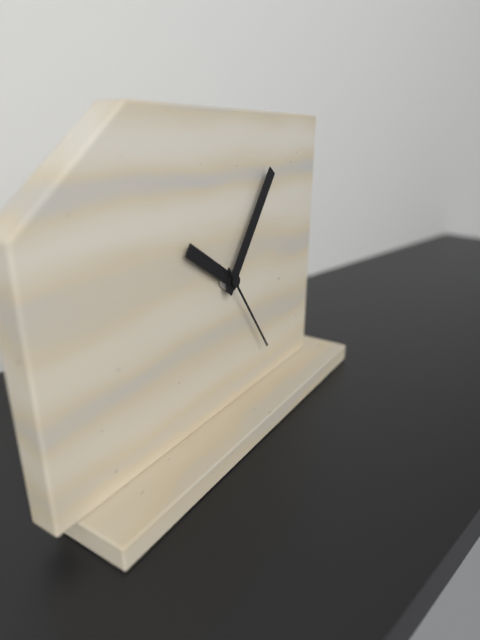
10:06:24
